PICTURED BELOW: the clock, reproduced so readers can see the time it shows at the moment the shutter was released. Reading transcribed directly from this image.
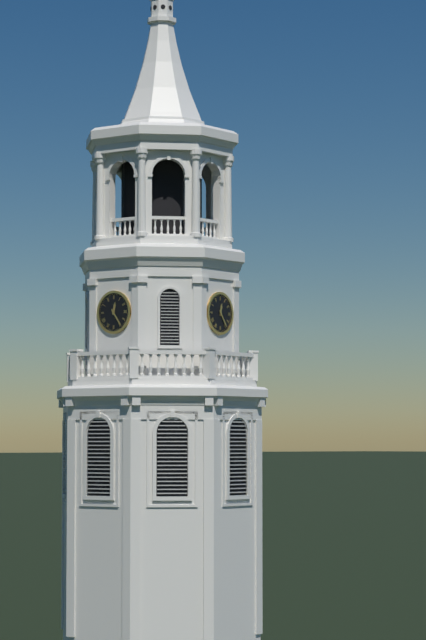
12:24
